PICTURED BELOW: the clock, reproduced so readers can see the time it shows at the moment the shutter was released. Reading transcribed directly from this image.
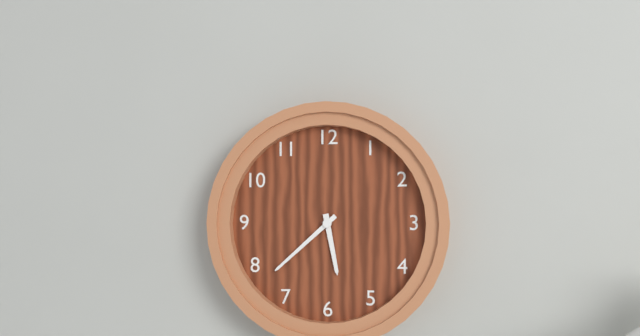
5:38
